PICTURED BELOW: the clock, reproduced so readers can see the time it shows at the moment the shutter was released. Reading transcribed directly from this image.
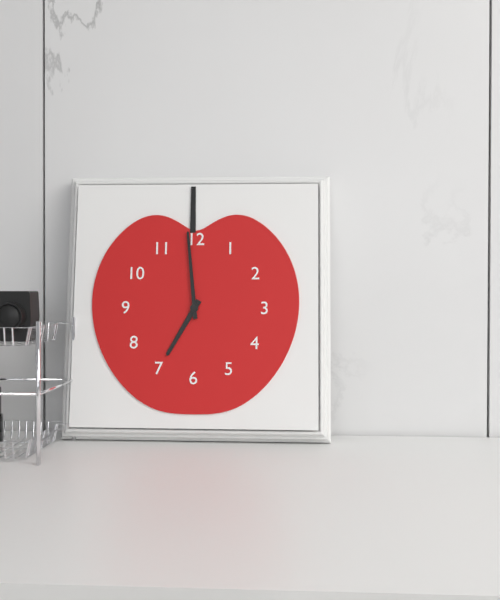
6:59
